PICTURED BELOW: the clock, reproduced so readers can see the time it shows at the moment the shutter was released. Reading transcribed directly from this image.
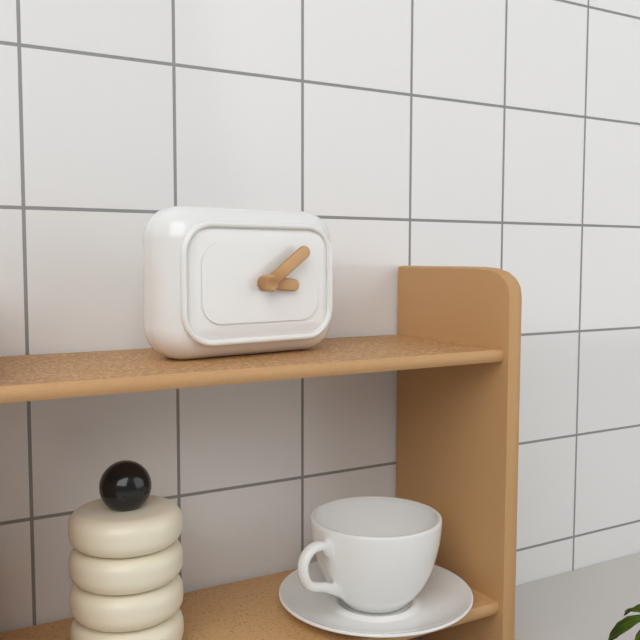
3:09
